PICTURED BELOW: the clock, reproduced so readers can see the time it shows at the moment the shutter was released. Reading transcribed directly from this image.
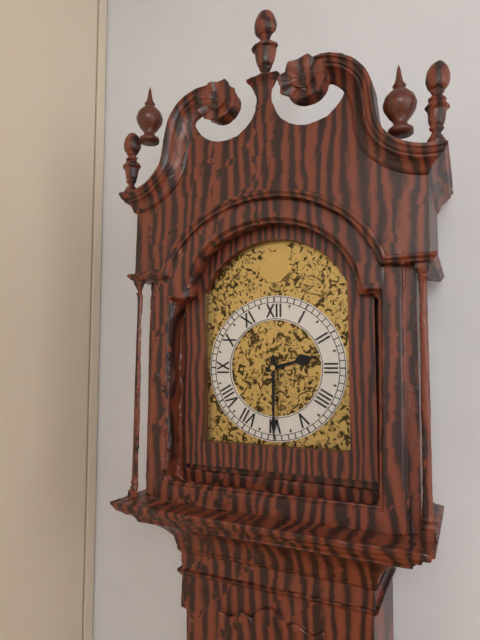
2:30
